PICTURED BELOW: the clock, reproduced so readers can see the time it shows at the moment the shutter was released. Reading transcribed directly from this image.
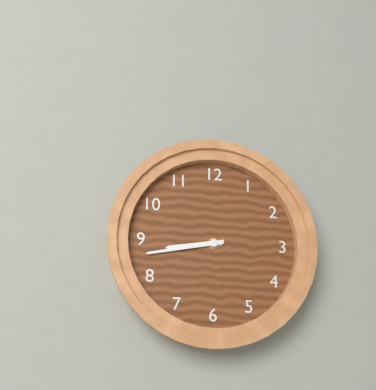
8:43
